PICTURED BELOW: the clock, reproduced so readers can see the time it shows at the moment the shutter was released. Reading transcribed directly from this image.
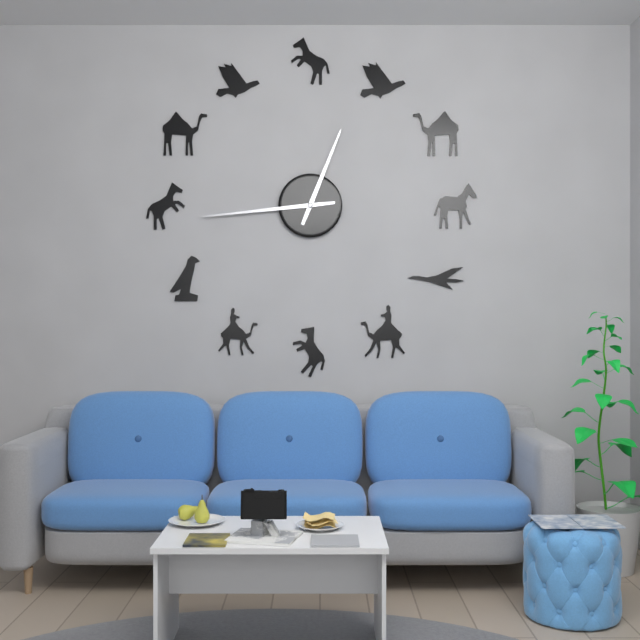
12:44
